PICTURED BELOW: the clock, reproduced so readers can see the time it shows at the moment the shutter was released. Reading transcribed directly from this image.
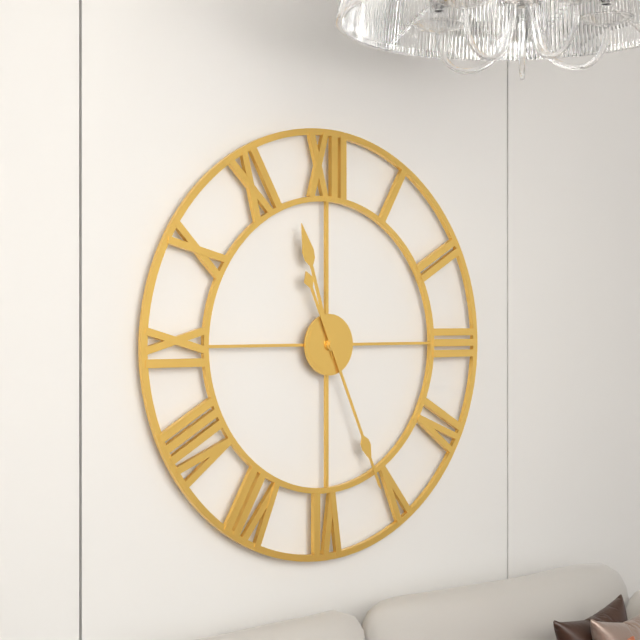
11:26
